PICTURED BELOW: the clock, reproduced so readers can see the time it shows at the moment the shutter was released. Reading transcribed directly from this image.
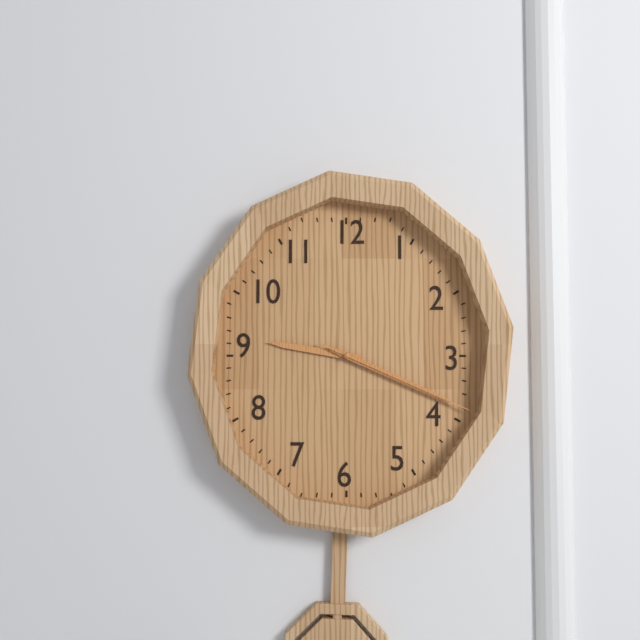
9:19:19
